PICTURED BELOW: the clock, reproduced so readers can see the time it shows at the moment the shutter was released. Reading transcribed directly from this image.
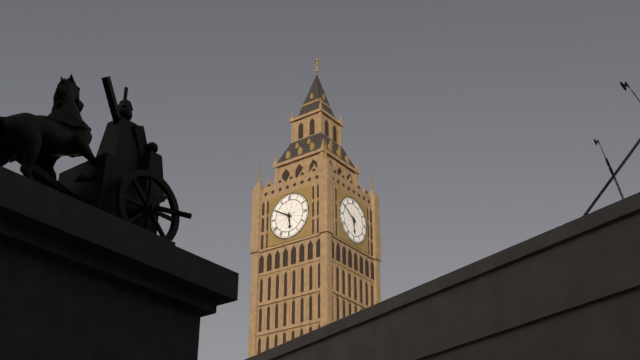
5:50
